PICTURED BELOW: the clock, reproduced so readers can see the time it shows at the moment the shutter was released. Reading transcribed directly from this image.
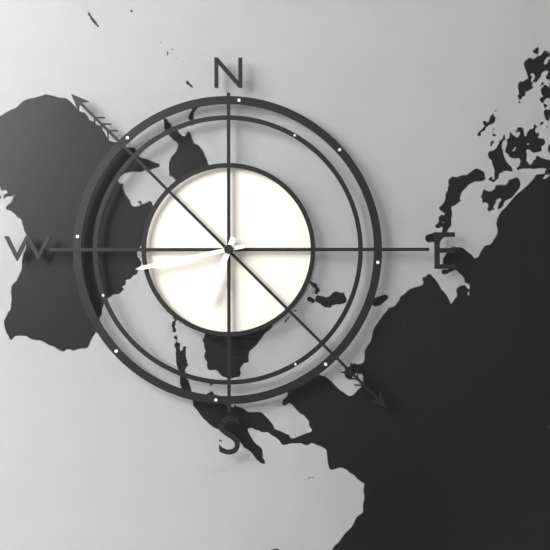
6:43
